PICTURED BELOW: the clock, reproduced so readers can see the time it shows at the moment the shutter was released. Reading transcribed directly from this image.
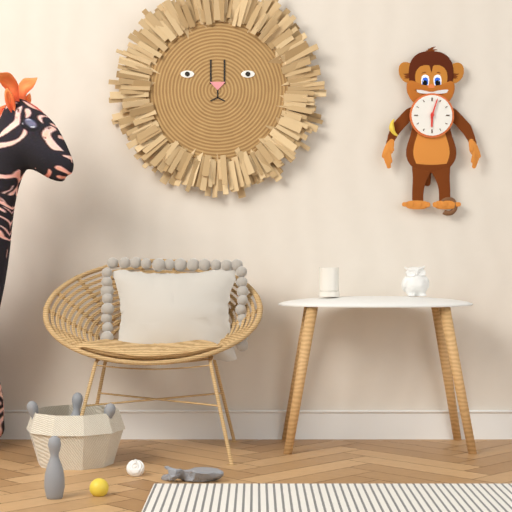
6:03
